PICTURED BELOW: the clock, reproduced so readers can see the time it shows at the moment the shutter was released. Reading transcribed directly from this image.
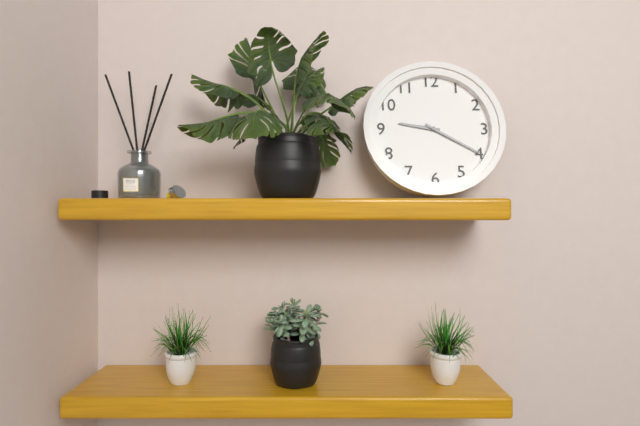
9:20
